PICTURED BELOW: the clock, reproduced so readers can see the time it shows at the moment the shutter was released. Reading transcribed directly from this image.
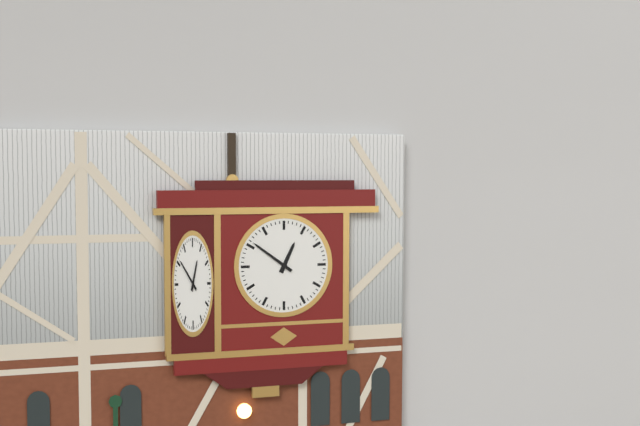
12:51
